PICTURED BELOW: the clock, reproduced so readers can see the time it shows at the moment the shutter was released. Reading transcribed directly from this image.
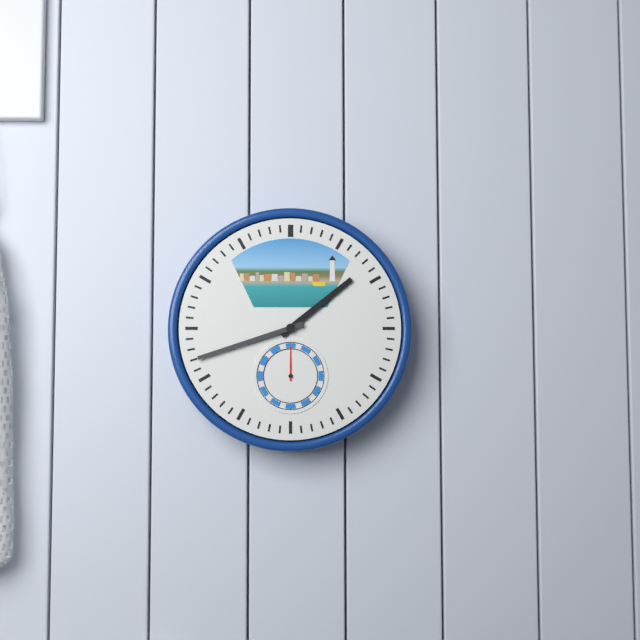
1:42
